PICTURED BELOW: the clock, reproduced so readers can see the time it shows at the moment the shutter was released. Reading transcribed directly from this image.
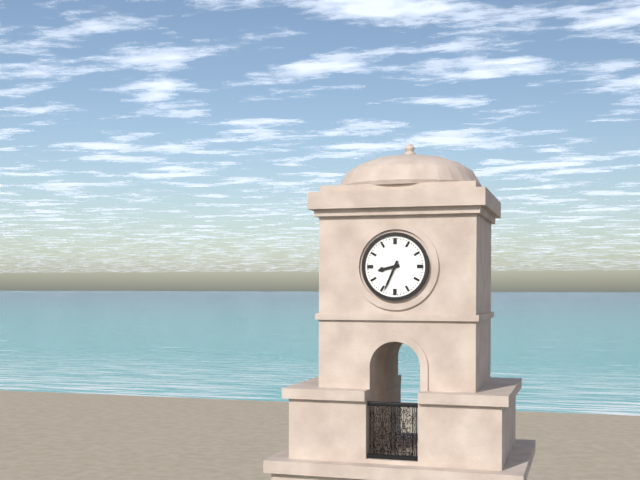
8:34
